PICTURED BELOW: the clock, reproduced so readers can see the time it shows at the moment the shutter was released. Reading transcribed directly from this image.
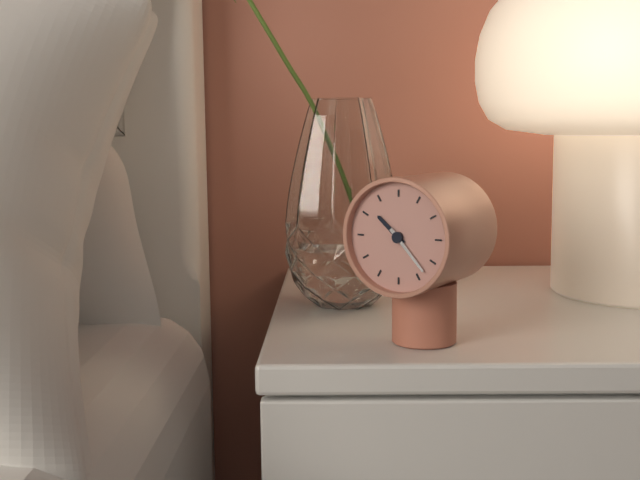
10:23
